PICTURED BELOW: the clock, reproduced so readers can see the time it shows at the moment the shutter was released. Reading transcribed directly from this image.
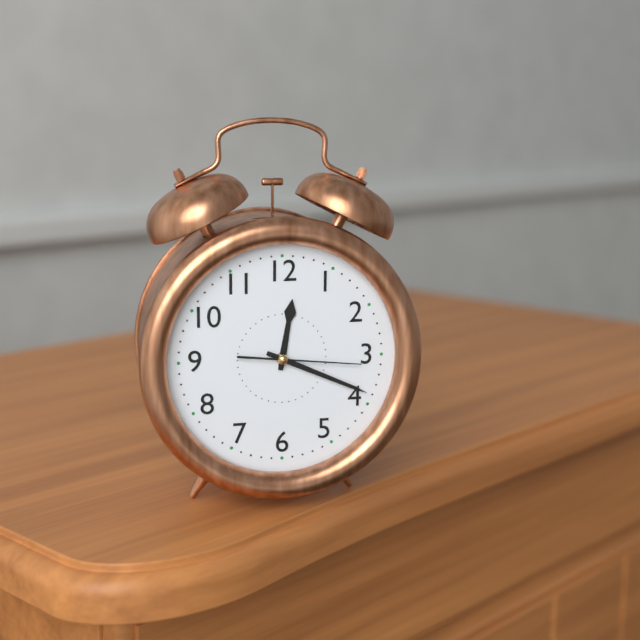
12:19:16
